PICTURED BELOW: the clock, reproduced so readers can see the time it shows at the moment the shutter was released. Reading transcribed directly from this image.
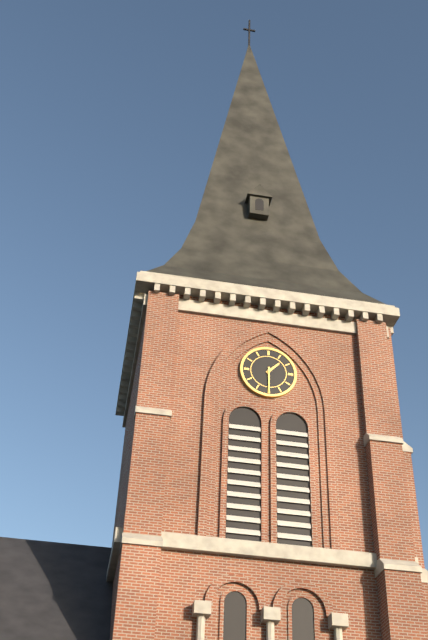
1:30
